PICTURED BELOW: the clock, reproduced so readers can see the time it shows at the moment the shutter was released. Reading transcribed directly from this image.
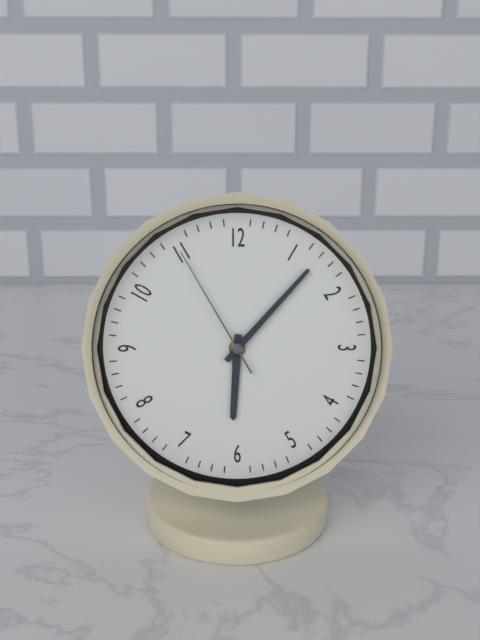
6:07:55
